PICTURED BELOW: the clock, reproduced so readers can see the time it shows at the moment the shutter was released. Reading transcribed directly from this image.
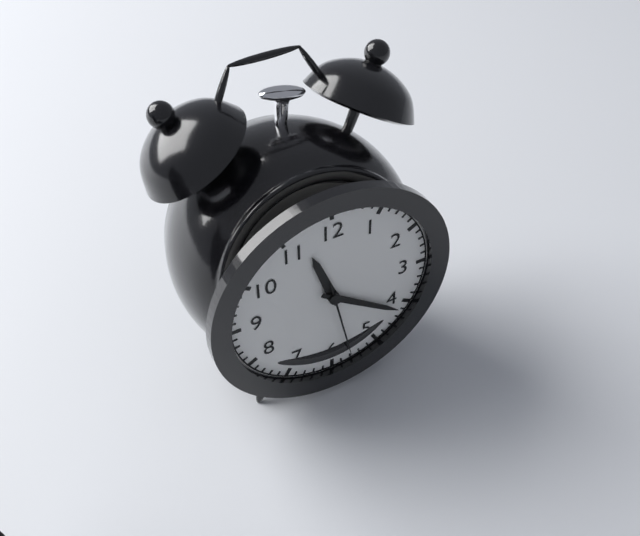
11:21:28
